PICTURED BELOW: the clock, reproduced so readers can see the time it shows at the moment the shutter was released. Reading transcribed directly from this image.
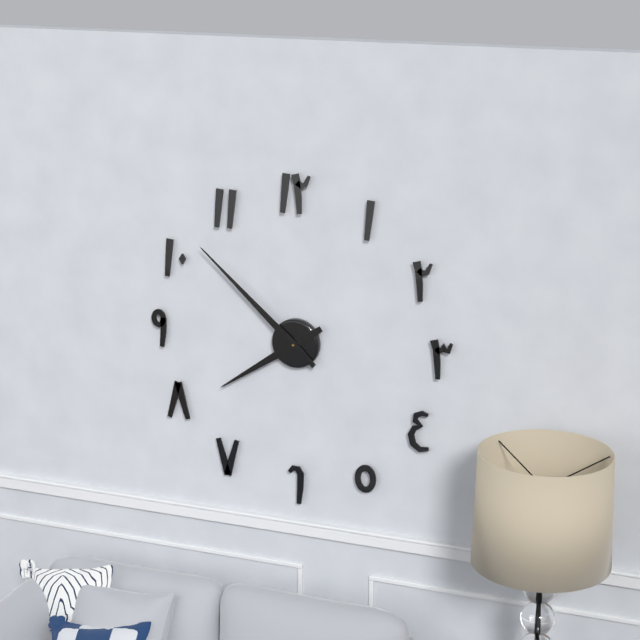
7:52
